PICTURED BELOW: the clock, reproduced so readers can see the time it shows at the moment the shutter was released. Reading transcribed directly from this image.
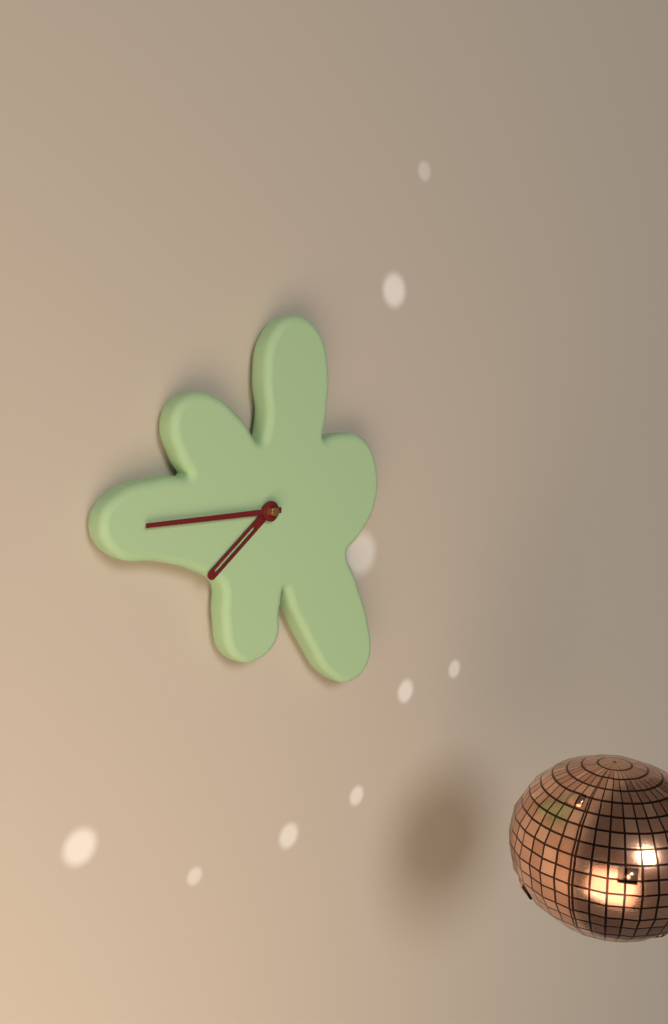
7:45
